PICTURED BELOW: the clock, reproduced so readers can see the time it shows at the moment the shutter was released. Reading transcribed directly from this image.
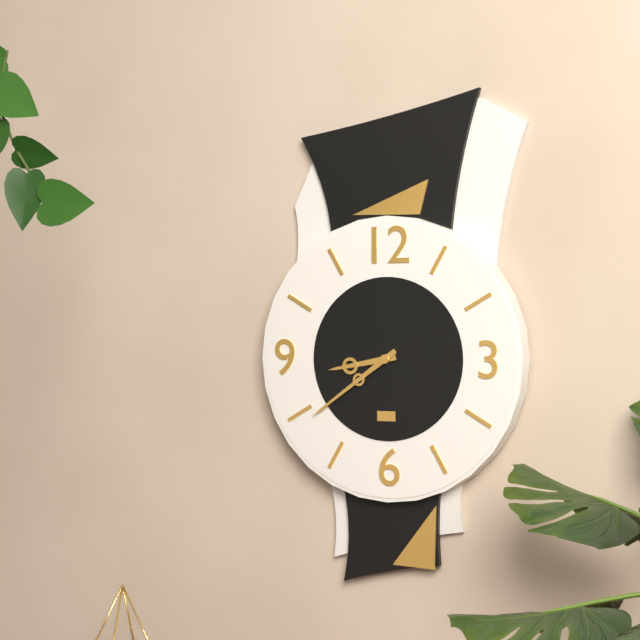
8:39
